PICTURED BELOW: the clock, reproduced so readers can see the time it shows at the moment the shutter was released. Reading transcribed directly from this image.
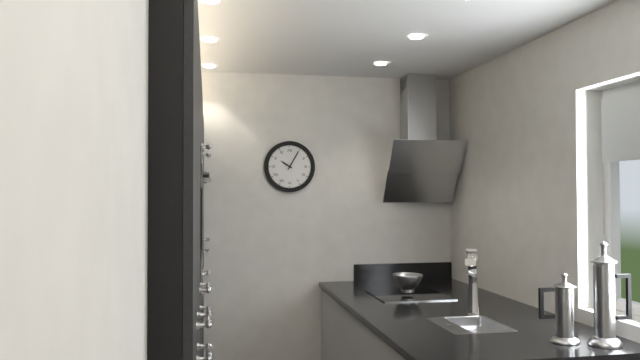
10:05
